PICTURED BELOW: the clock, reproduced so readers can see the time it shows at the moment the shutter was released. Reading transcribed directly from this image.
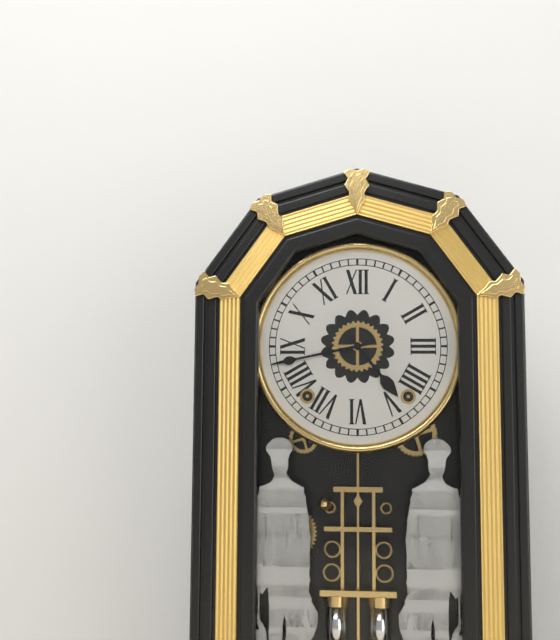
4:43
